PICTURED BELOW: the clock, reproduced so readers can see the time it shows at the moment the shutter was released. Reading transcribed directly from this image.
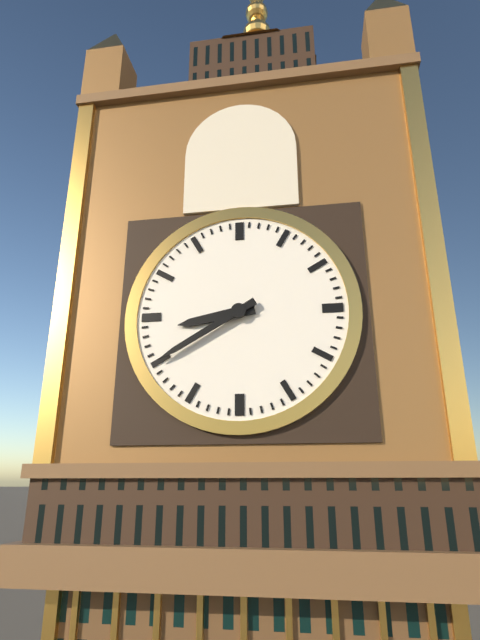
8:40
